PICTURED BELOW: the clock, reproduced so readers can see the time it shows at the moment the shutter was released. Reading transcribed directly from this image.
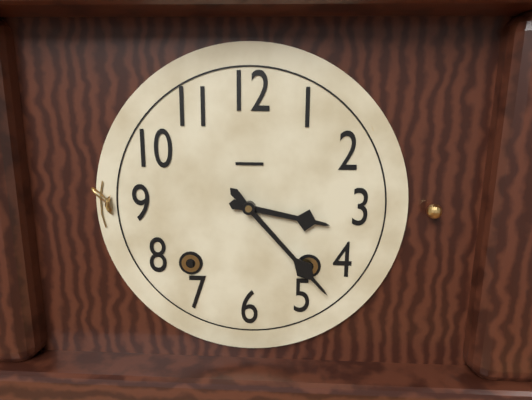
3:23
